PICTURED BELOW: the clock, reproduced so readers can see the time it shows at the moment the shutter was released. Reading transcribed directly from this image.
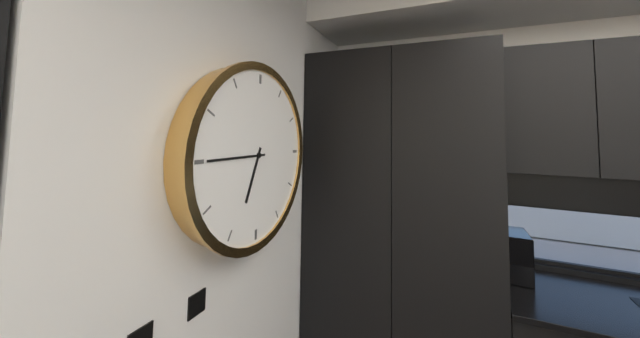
6:45
